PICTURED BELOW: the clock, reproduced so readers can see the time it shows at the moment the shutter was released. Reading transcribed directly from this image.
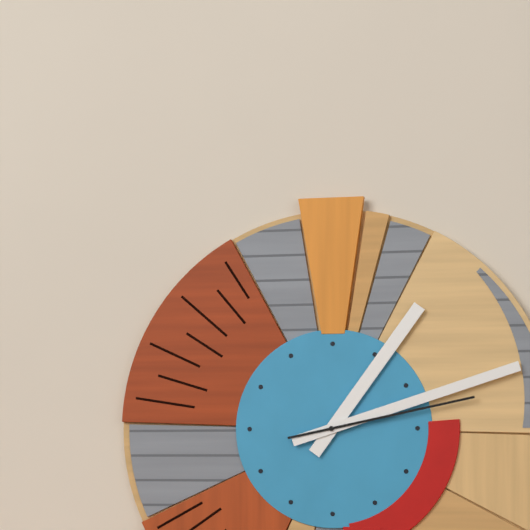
1:12:13
